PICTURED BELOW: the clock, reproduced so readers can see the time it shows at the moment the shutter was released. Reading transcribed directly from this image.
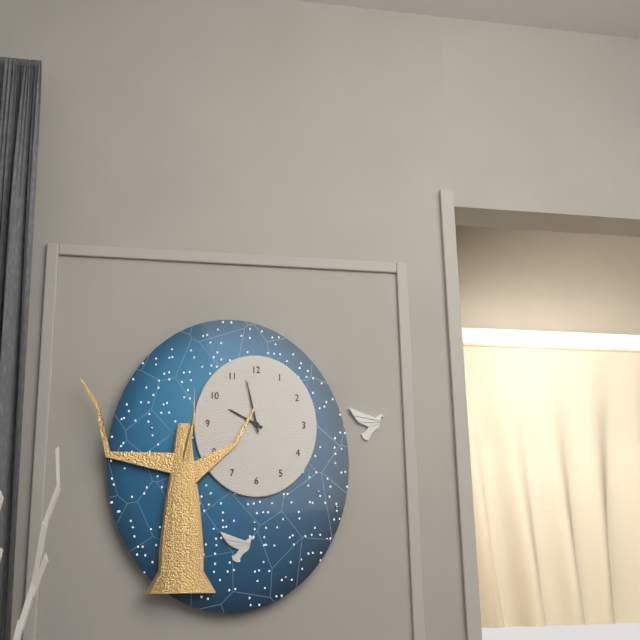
9:58
